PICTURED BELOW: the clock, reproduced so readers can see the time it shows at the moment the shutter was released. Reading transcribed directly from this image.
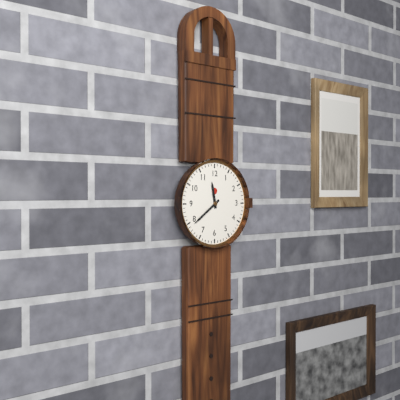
11:39
